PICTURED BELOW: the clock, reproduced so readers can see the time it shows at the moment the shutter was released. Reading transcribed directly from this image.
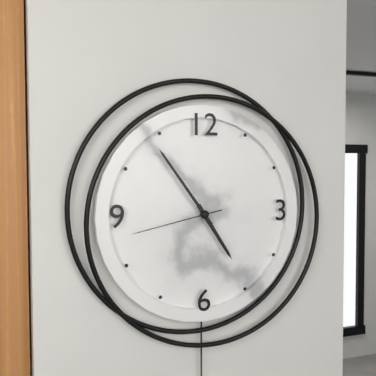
4:54:43
